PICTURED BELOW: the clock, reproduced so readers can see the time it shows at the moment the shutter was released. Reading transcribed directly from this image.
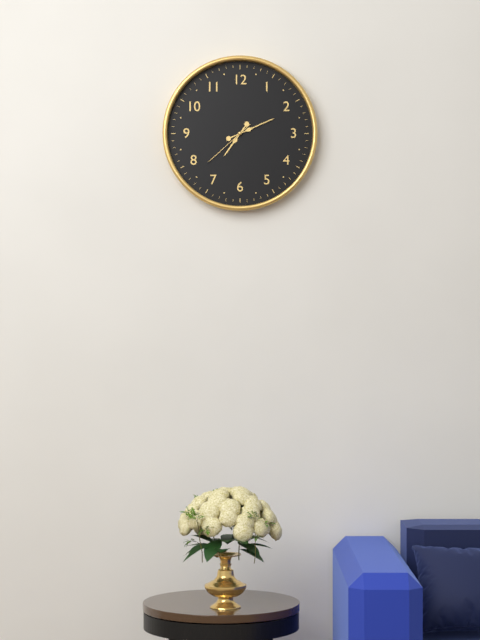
7:11:38
